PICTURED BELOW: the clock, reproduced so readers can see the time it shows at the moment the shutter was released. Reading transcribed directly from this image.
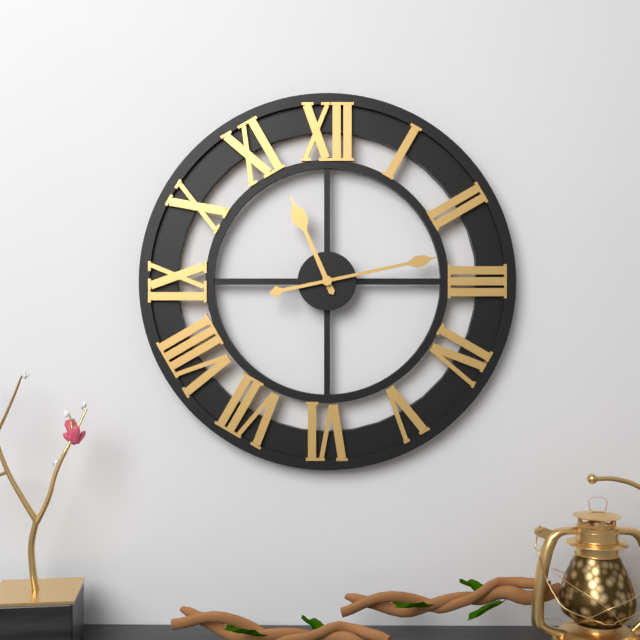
11:13
